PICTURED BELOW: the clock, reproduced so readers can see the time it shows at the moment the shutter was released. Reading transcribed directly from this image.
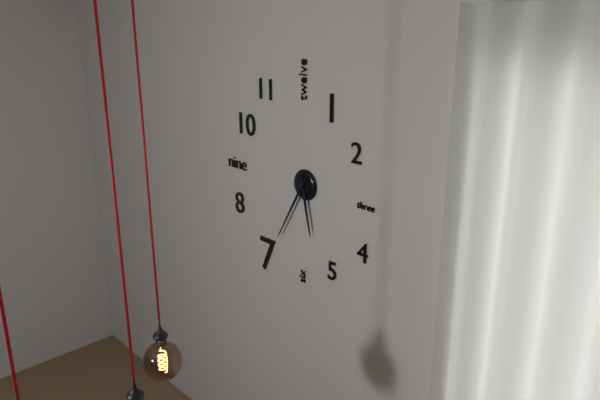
5:35
